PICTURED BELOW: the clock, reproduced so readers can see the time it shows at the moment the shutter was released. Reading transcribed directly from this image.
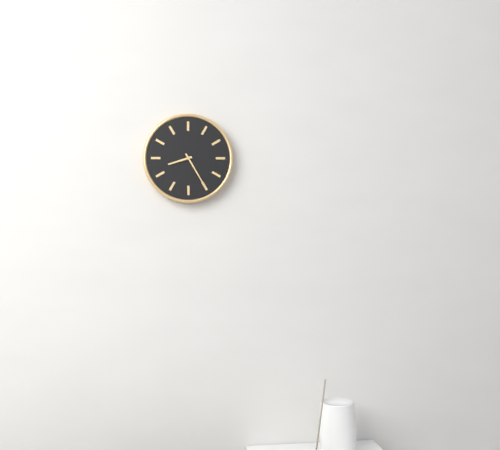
8:25
